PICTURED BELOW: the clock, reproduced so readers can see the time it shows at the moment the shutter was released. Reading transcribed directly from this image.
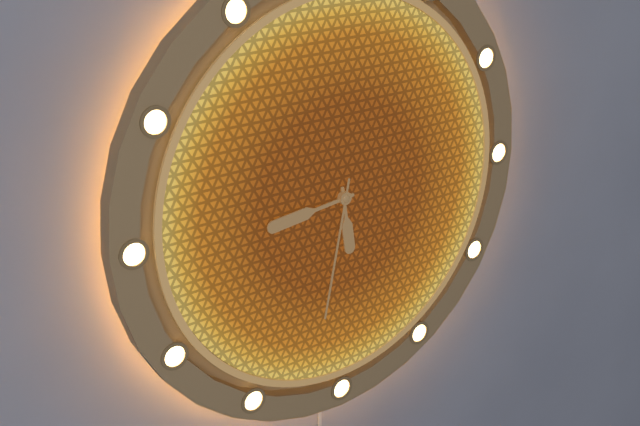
5:44:32
